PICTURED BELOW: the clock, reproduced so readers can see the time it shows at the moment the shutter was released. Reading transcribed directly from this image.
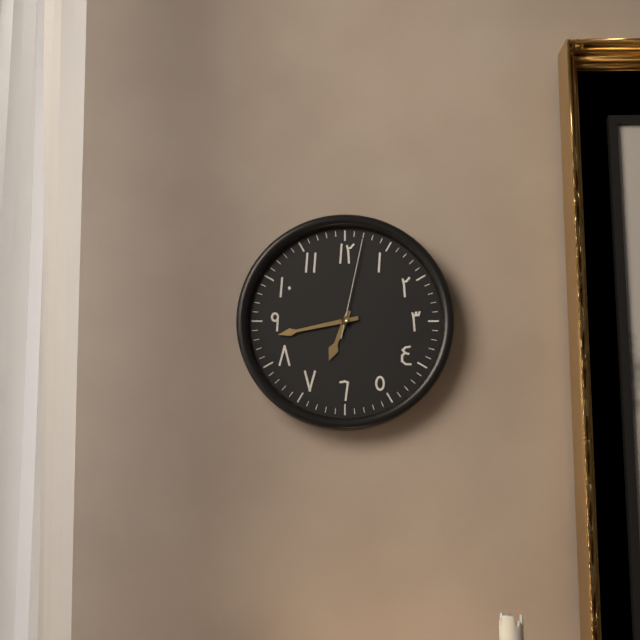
6:43:02
